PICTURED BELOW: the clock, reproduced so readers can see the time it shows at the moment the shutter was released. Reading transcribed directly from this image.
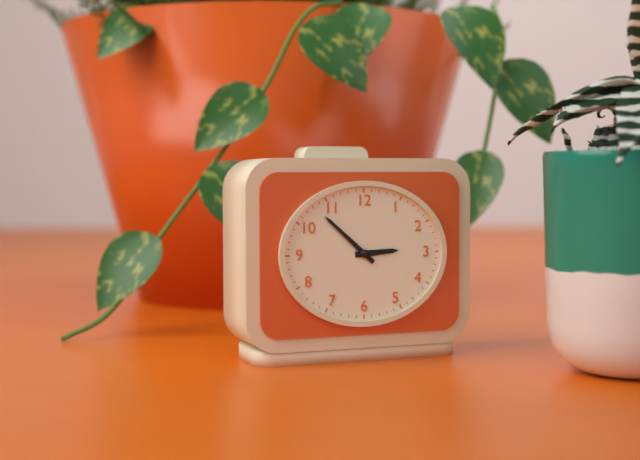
2:52
